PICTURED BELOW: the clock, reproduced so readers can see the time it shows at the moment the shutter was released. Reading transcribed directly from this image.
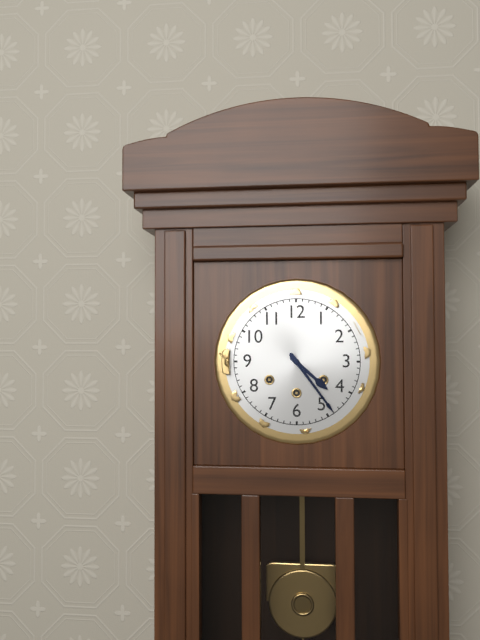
4:24
